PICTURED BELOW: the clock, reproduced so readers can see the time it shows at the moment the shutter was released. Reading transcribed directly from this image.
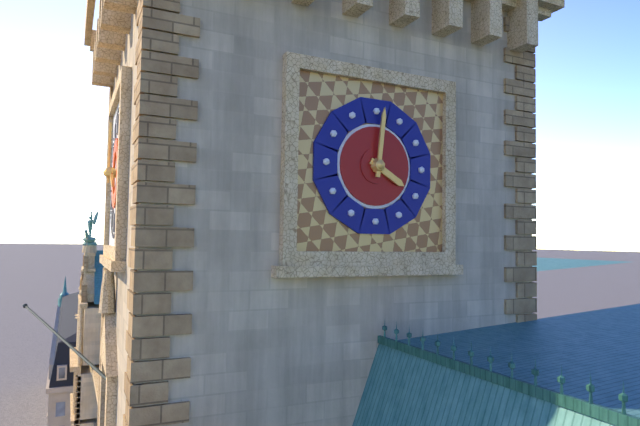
4:01
